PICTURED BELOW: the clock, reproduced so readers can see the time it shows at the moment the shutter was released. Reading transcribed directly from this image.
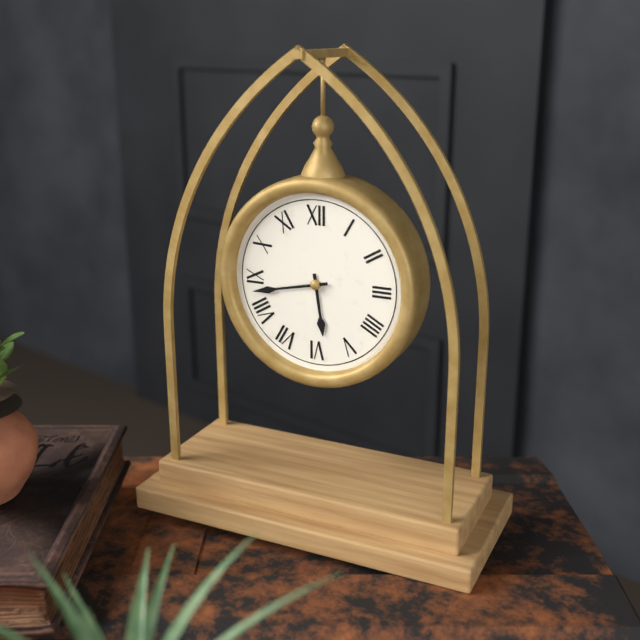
5:43
